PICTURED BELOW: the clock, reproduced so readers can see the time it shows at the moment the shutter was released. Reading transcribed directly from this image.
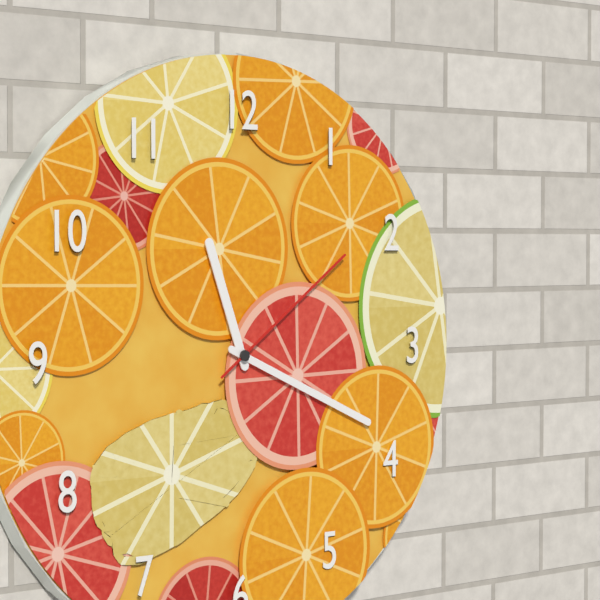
11:19:09
